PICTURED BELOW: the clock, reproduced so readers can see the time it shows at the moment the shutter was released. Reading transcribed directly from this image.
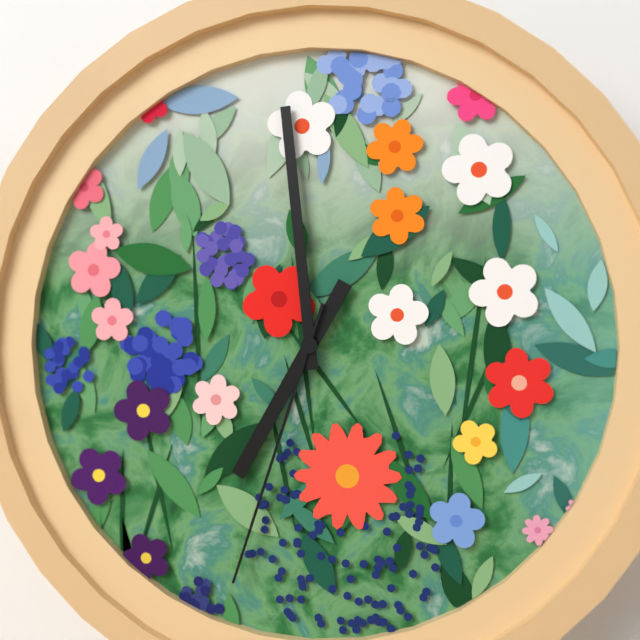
6:59:33
